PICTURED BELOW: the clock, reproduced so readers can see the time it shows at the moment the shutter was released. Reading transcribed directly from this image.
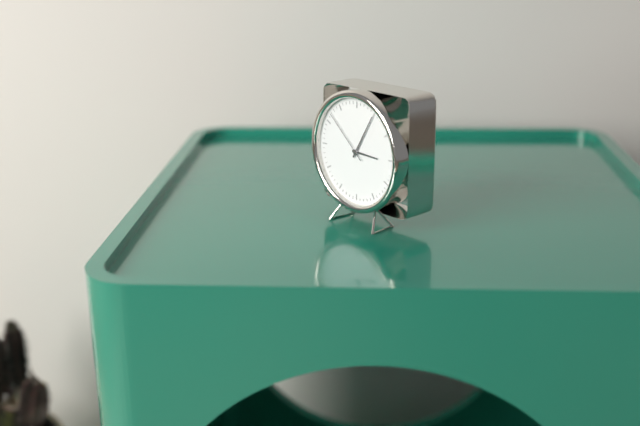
3:05:52
